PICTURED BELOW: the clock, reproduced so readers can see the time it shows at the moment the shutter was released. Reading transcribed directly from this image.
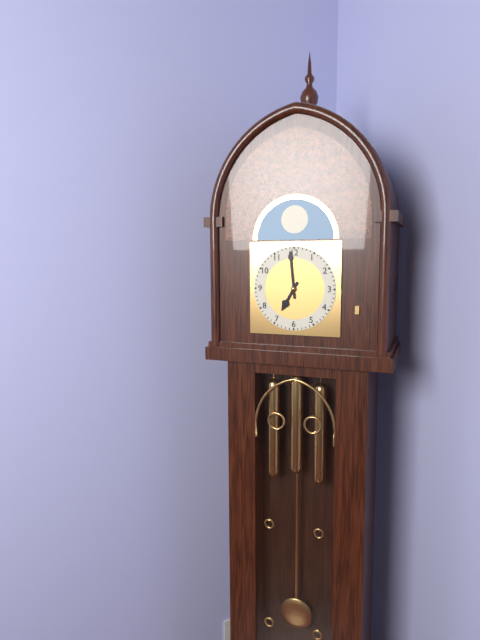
6:59
